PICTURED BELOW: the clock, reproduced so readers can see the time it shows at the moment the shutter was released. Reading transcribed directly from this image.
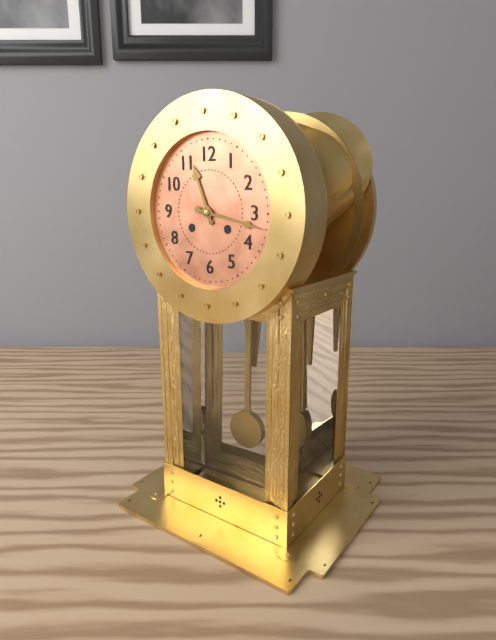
11:17
